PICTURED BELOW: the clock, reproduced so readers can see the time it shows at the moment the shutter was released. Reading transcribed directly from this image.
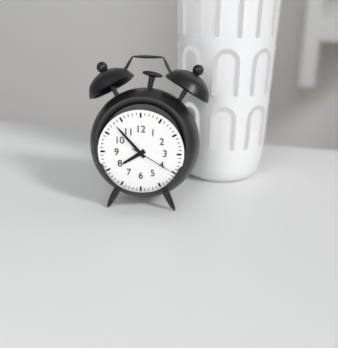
7:53
